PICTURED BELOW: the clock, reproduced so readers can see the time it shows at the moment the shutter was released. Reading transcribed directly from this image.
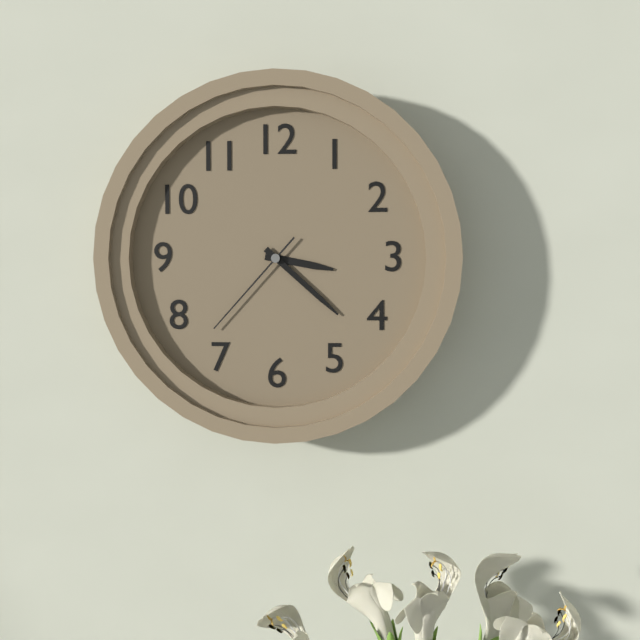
3:22:37
